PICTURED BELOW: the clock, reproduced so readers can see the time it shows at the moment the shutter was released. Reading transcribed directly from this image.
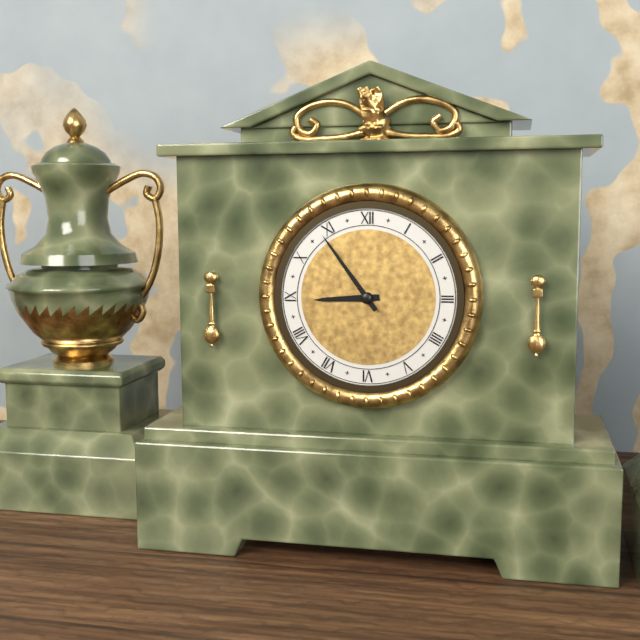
8:54
